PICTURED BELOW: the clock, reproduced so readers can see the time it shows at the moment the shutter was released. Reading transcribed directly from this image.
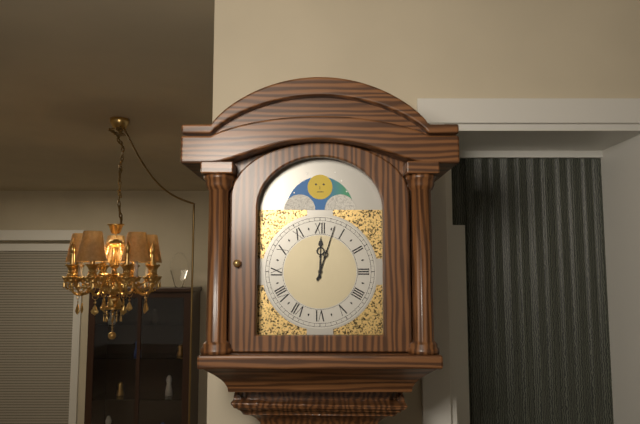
12:03
